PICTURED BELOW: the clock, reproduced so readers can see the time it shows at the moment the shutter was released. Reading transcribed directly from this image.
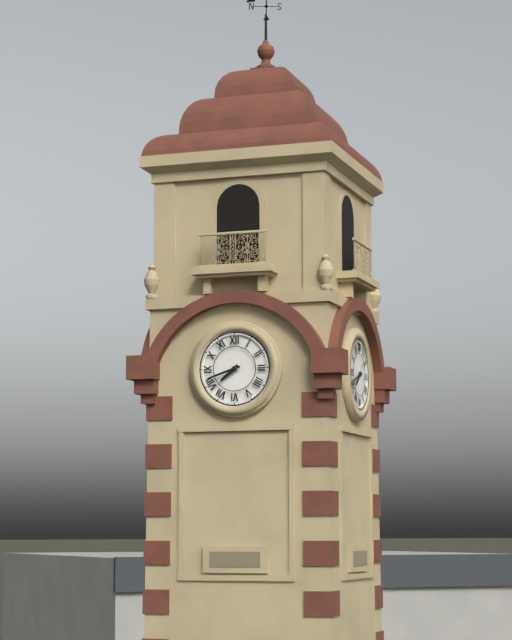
7:42
